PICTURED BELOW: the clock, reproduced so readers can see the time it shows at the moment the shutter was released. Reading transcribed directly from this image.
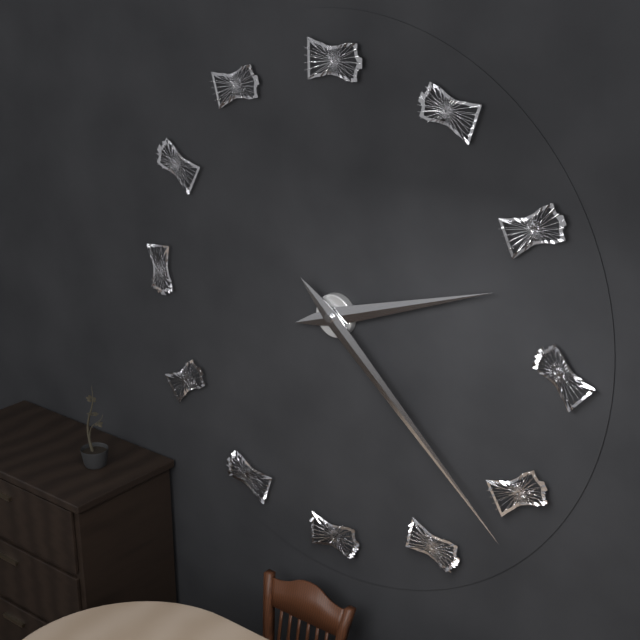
2:22
